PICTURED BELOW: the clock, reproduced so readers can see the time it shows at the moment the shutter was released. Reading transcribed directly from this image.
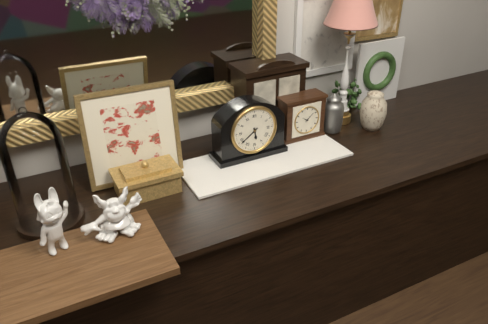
5:39
